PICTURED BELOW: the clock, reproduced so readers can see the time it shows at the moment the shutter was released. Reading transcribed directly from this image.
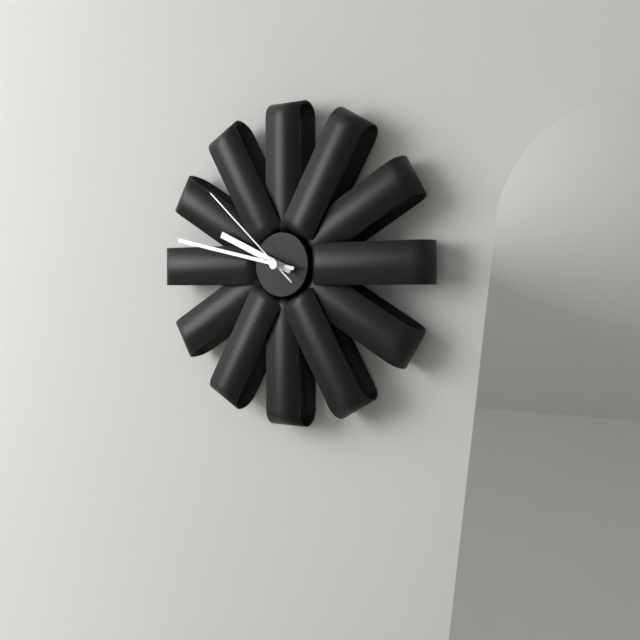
9:47:52
